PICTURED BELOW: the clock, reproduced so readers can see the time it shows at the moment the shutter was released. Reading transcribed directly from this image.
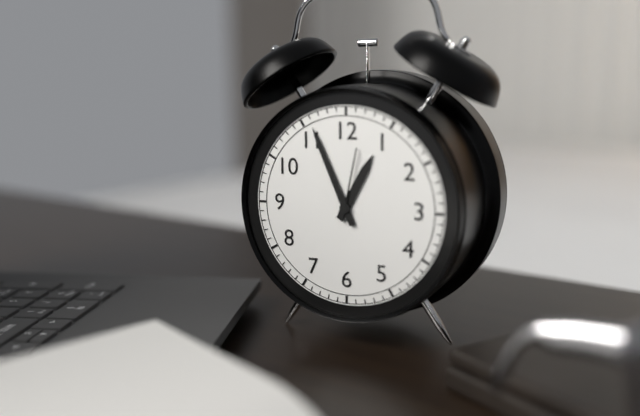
12:56:02
